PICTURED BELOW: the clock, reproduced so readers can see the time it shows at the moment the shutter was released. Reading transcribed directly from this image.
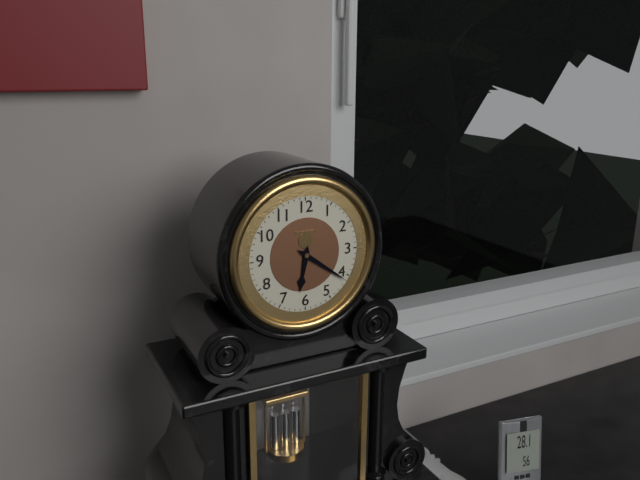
6:21
